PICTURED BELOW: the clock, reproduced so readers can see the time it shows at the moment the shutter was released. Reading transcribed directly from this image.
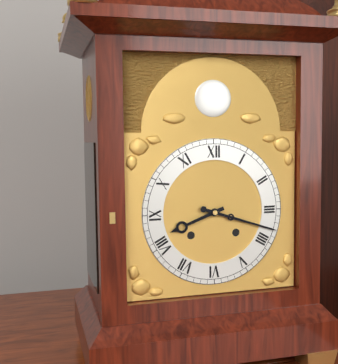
8:18
